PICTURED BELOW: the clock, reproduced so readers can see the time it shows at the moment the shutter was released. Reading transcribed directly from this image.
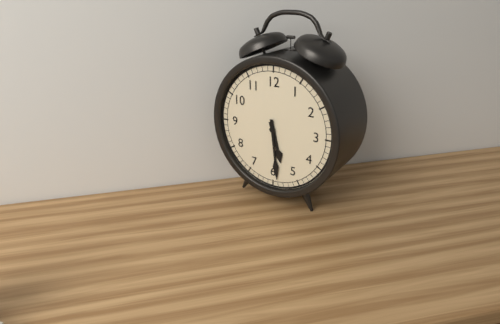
5:29
